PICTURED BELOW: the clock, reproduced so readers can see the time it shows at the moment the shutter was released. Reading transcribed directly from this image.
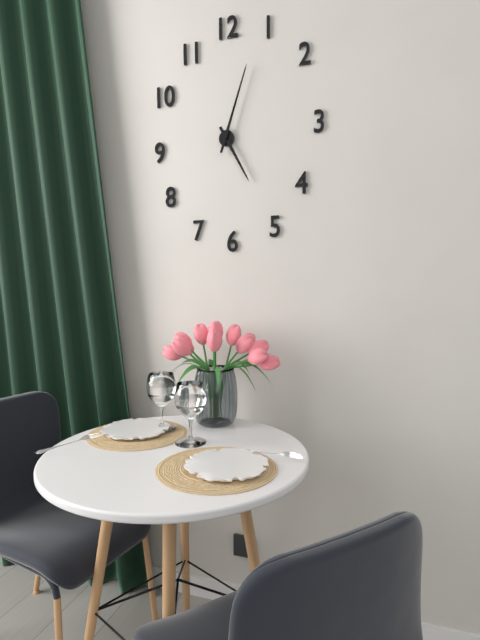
5:03
